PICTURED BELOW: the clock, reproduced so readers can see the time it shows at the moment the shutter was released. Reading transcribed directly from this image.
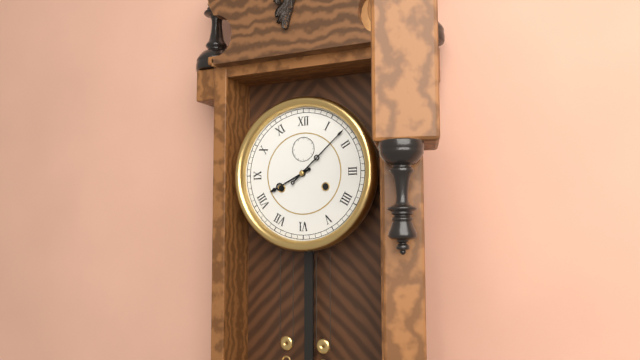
8:08
